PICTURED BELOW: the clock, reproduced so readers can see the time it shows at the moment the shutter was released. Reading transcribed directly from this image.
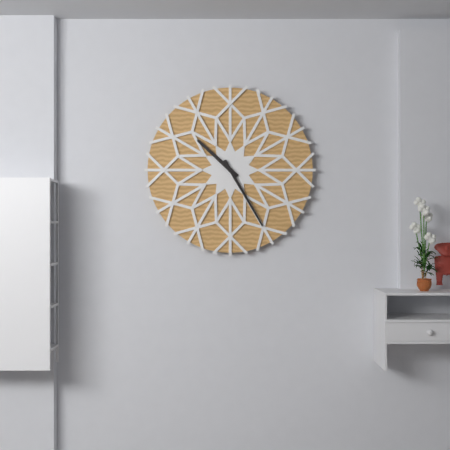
10:25
